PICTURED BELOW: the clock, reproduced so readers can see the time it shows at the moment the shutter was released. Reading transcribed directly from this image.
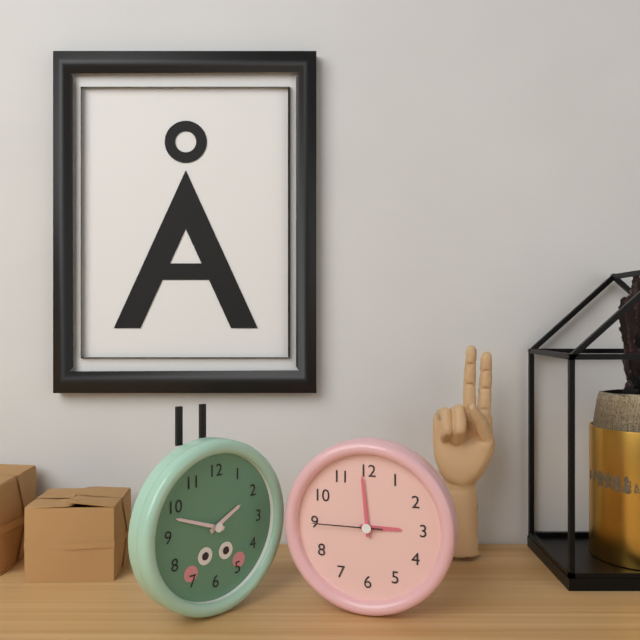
2:59:45
